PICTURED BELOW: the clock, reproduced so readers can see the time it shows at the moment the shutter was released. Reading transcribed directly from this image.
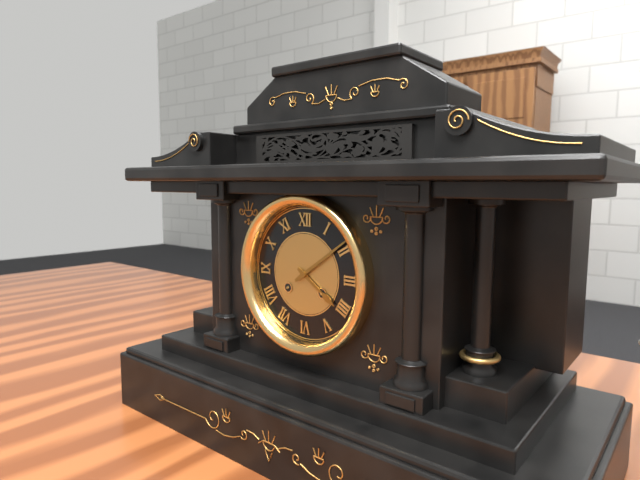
4:09
